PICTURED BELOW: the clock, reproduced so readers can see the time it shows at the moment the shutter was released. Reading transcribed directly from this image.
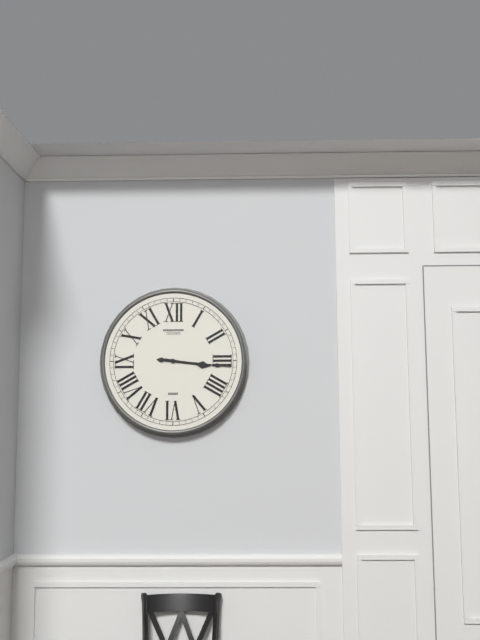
3:16
